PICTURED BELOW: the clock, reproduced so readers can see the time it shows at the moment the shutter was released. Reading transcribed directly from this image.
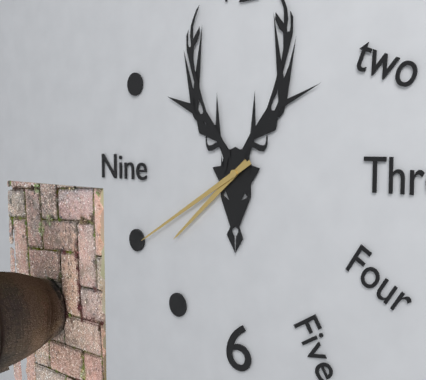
7:40
